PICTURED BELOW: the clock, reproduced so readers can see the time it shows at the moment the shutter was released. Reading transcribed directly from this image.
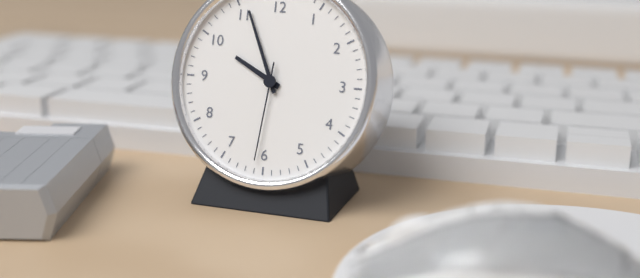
9:56:31
